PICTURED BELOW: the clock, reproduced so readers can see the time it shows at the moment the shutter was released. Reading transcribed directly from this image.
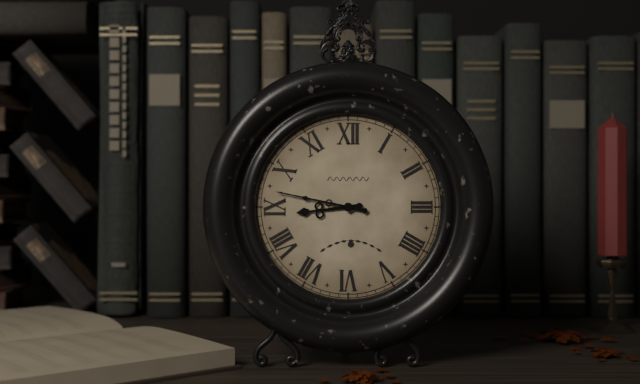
8:47
